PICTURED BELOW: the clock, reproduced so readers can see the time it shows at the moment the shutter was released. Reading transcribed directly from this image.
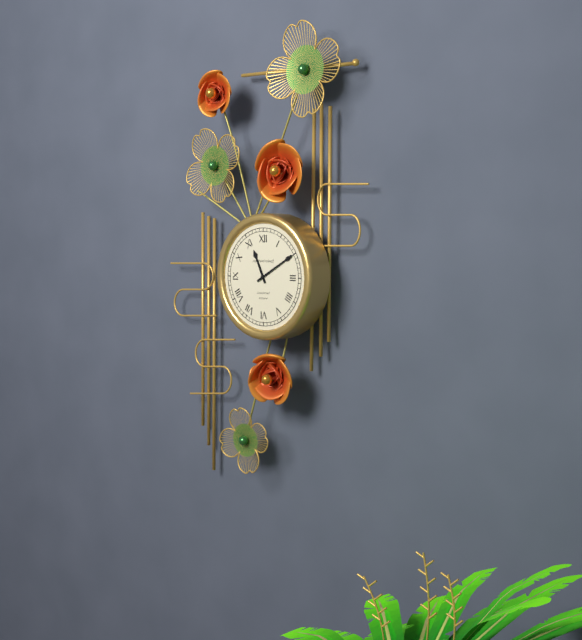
11:10
